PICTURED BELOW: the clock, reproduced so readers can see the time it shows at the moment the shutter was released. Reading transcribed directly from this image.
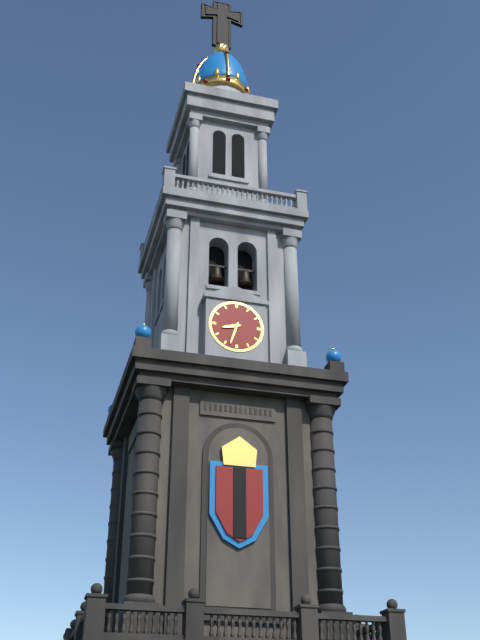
8:33
